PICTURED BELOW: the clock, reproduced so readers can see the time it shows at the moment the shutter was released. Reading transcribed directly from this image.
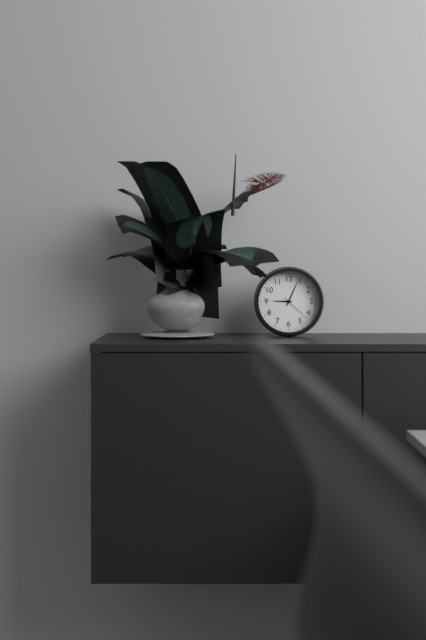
9:04
